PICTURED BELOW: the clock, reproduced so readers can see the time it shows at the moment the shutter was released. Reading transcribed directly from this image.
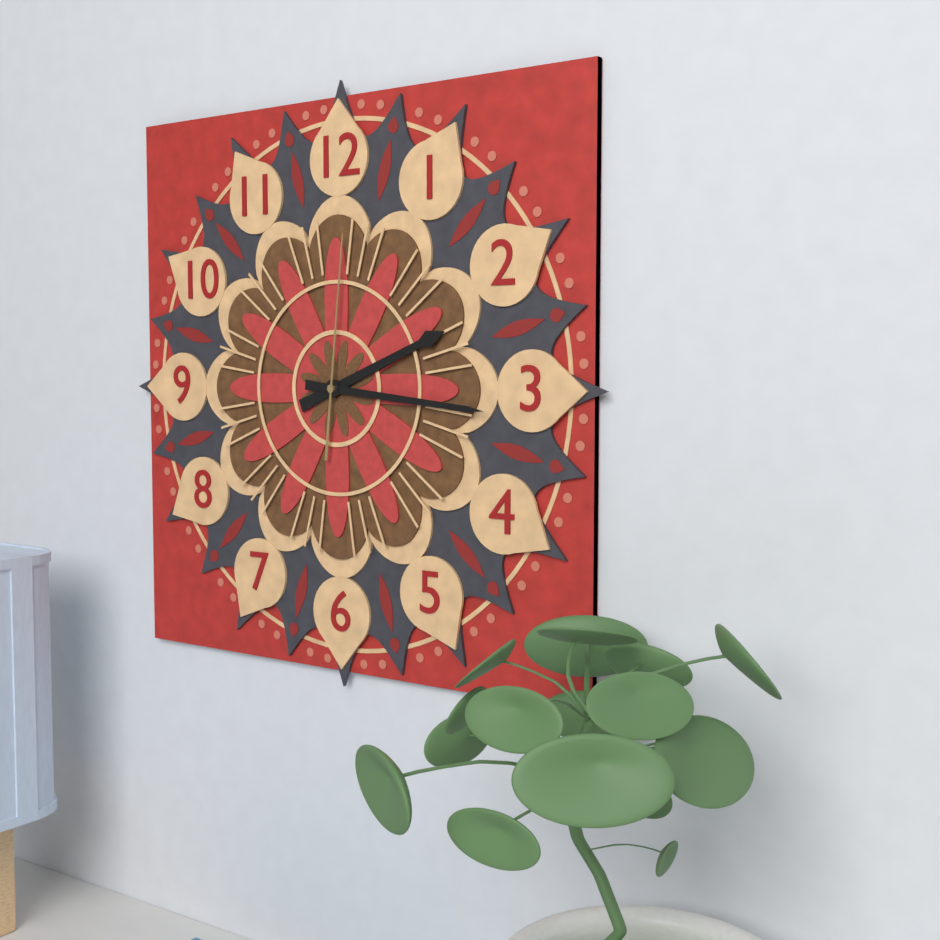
2:16:01
